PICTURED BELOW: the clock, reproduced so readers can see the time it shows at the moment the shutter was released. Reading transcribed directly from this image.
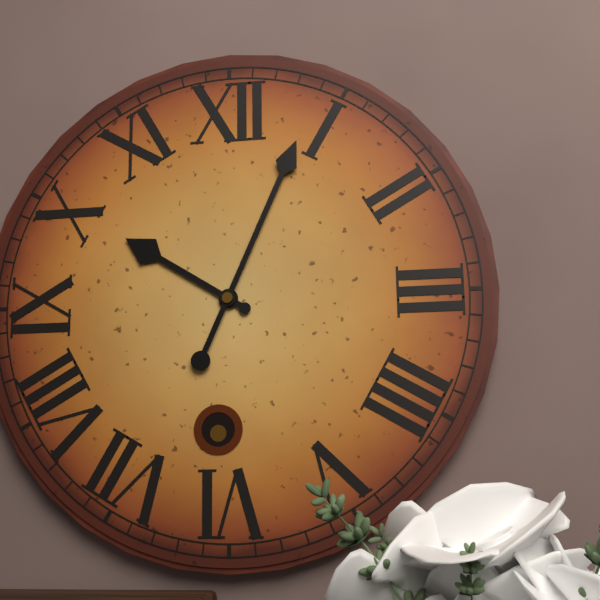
10:04
